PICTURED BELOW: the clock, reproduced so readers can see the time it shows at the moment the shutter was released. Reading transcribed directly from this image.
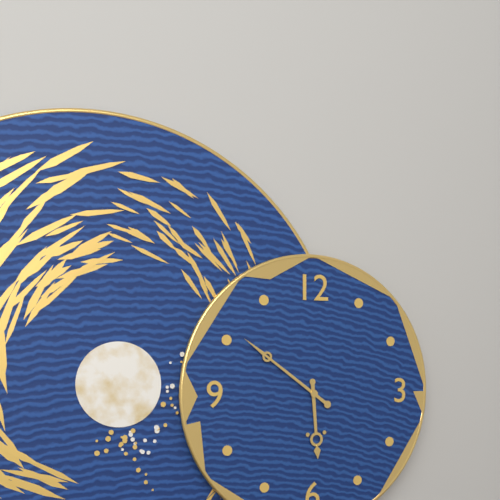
5:51
